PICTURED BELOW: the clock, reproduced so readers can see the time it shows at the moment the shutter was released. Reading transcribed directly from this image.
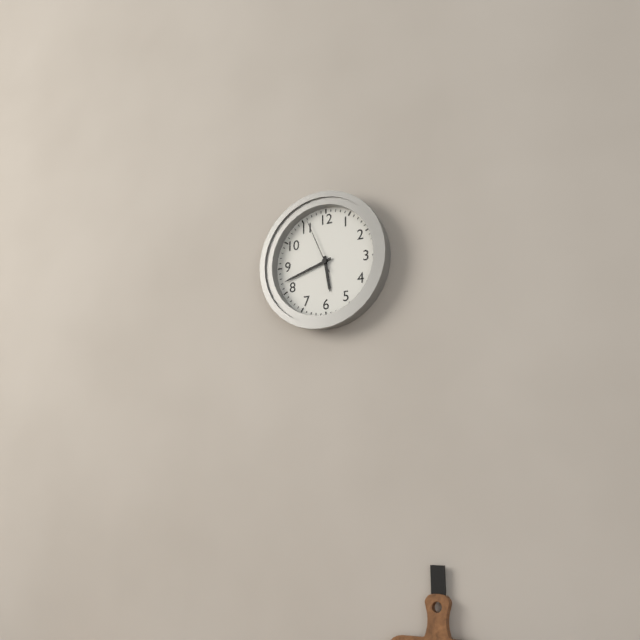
5:42:56
